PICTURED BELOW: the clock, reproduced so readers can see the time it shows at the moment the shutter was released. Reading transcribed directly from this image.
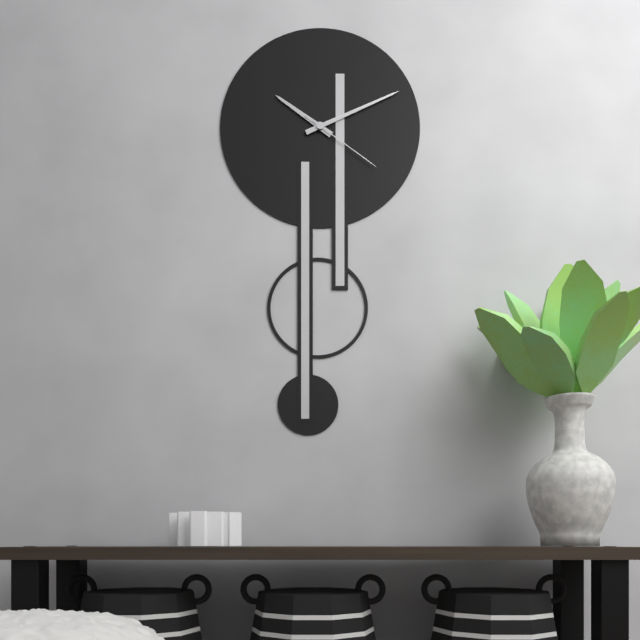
10:11:21
